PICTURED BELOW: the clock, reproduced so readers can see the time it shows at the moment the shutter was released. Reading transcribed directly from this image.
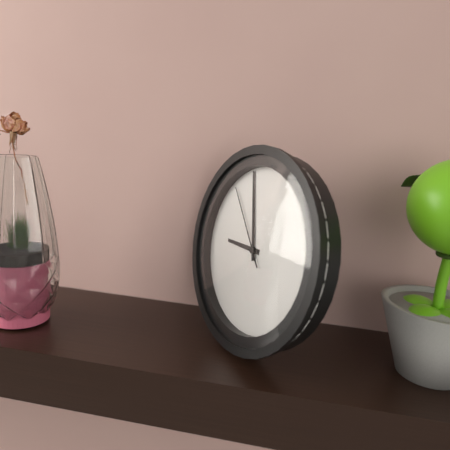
8:57:53
